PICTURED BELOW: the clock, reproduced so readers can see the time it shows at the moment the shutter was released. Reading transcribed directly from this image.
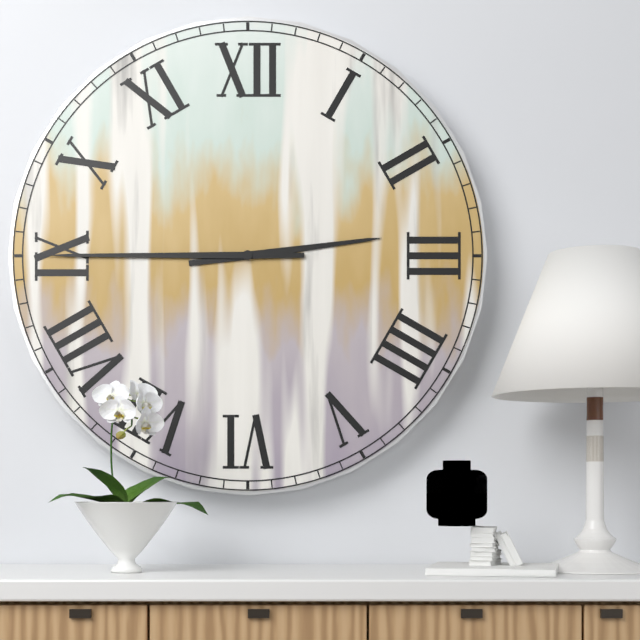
2:45
